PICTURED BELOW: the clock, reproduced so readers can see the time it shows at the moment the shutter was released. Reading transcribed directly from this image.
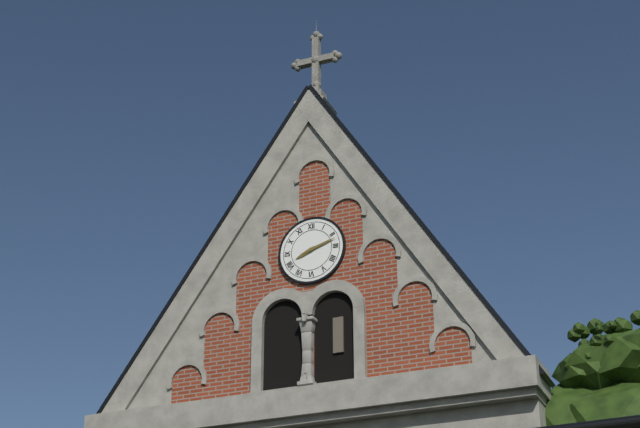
8:12
